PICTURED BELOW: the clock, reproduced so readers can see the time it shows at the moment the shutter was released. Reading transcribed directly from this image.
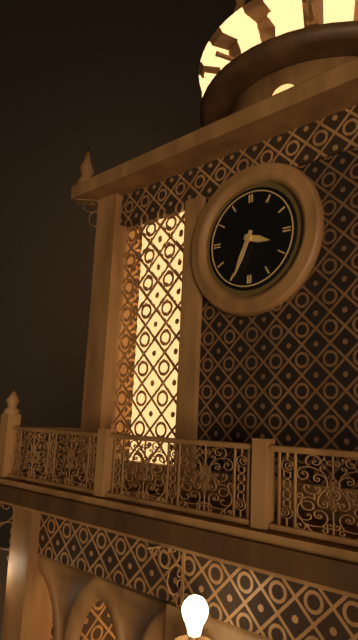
3:34
